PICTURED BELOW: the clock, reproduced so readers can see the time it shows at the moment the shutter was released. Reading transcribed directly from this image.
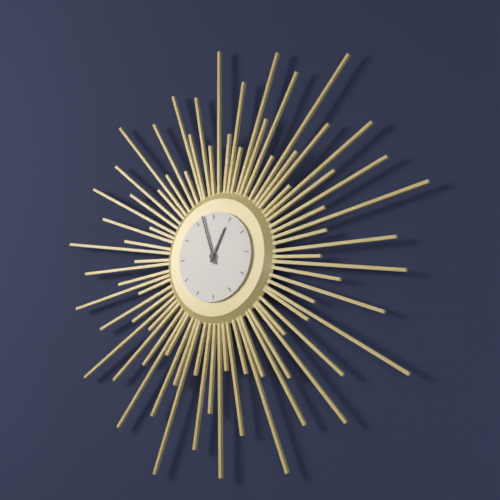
12:57
